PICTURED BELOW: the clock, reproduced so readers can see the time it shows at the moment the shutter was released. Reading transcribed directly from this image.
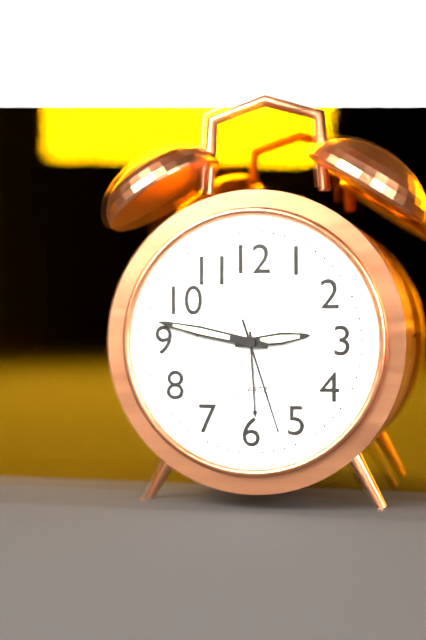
2:47:27
